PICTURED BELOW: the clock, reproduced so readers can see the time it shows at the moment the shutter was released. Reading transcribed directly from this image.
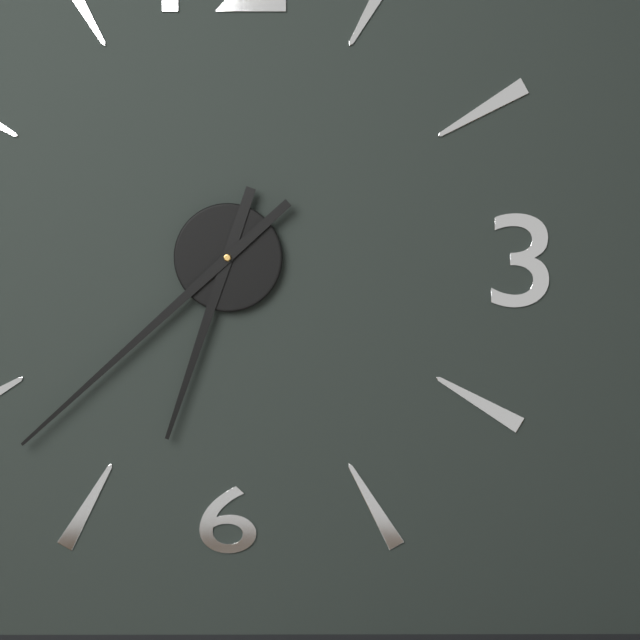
6:38
